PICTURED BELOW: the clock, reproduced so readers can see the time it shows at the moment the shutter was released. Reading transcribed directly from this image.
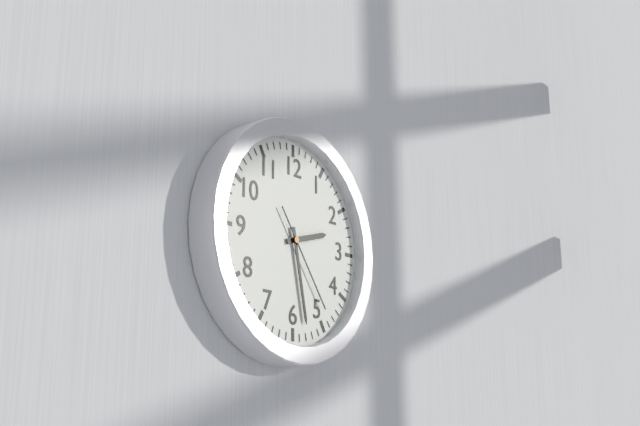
2:28:24
